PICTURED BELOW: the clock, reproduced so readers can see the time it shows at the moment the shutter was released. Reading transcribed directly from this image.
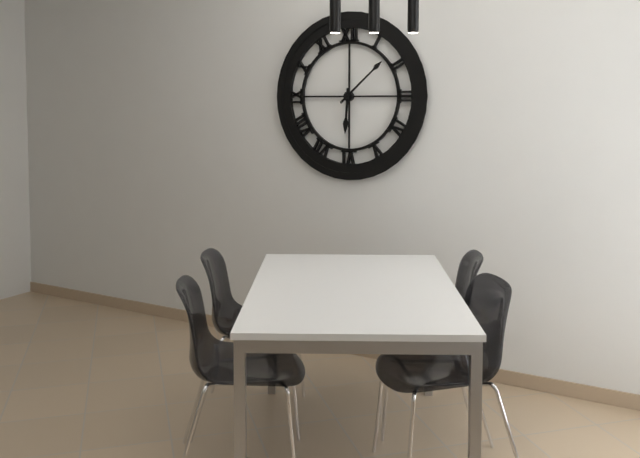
6:08
